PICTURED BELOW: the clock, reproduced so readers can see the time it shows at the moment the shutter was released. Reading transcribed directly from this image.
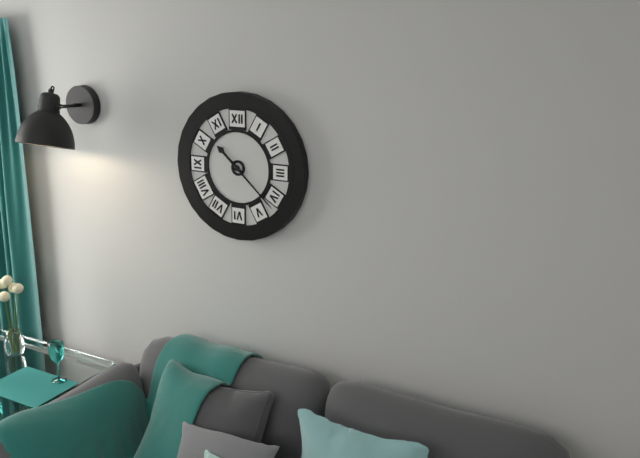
10:22
